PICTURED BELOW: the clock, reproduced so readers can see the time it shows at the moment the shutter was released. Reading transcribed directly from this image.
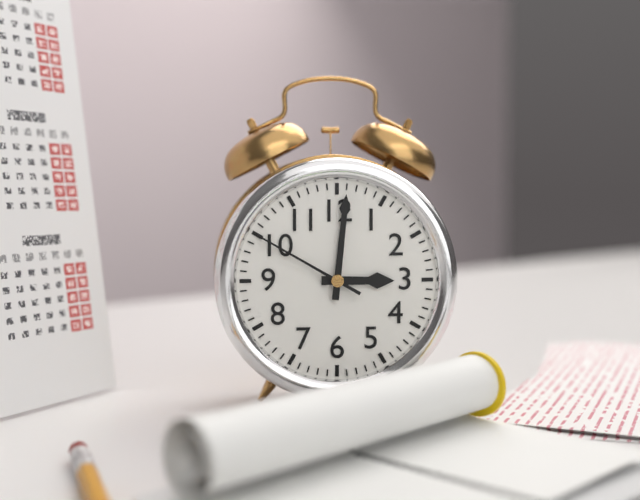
3:01:50
